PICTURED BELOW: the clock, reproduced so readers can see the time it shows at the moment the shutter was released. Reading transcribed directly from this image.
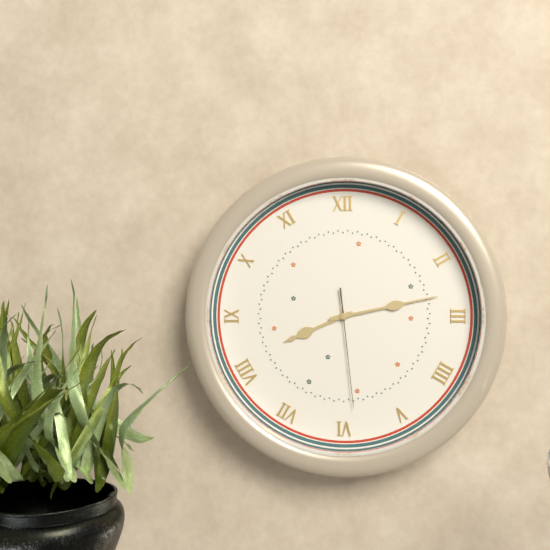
8:13:29
